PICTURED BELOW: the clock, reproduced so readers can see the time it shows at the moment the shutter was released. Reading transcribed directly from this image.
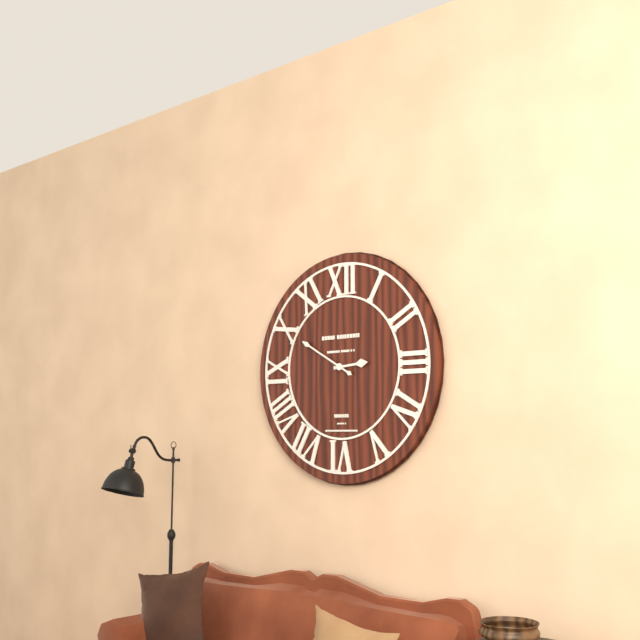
2:50
